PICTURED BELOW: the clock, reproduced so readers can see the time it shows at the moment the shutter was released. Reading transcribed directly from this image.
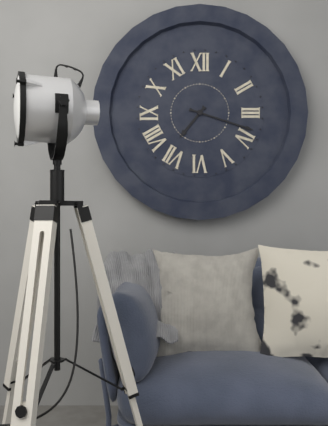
7:18
